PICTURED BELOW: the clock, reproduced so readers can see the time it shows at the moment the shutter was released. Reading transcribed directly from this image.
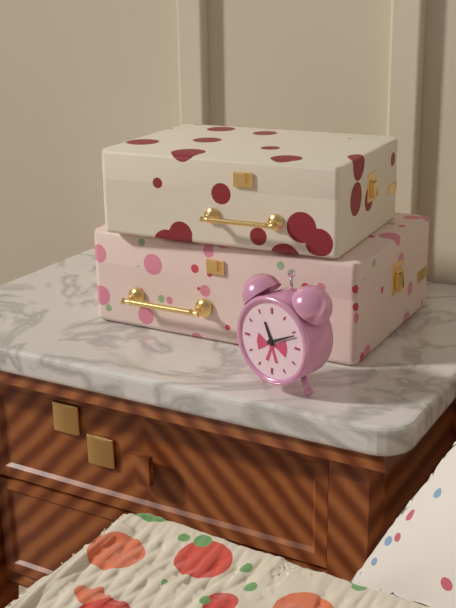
11:11
